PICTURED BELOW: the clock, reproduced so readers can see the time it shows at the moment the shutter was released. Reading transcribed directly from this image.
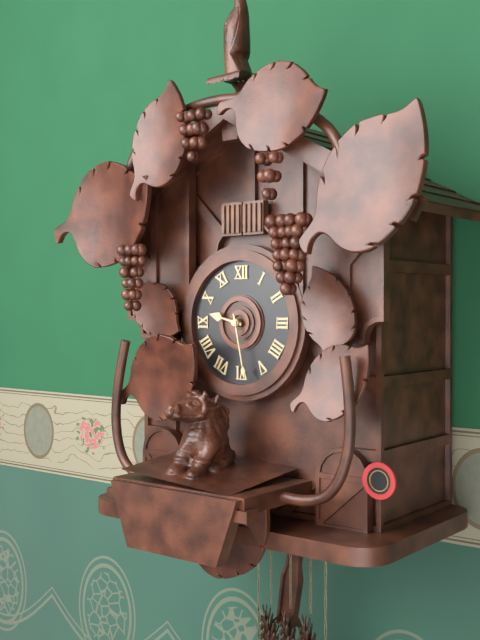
9:28
